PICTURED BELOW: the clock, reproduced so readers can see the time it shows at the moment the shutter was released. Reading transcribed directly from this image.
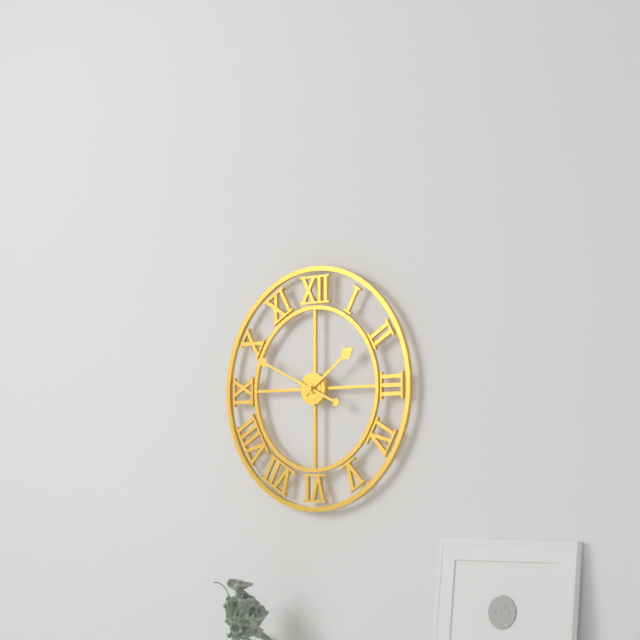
1:49
